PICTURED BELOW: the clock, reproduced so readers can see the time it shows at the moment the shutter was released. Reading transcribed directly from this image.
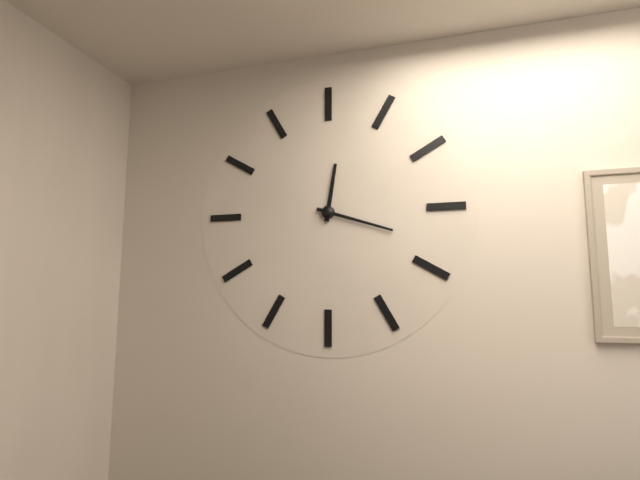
12:18
